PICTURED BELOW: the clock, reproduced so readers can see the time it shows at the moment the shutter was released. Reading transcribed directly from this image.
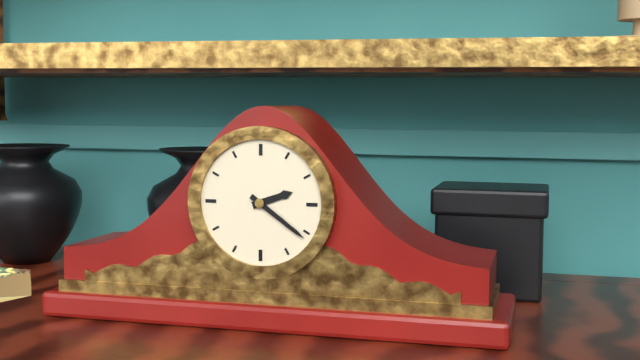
2:21
